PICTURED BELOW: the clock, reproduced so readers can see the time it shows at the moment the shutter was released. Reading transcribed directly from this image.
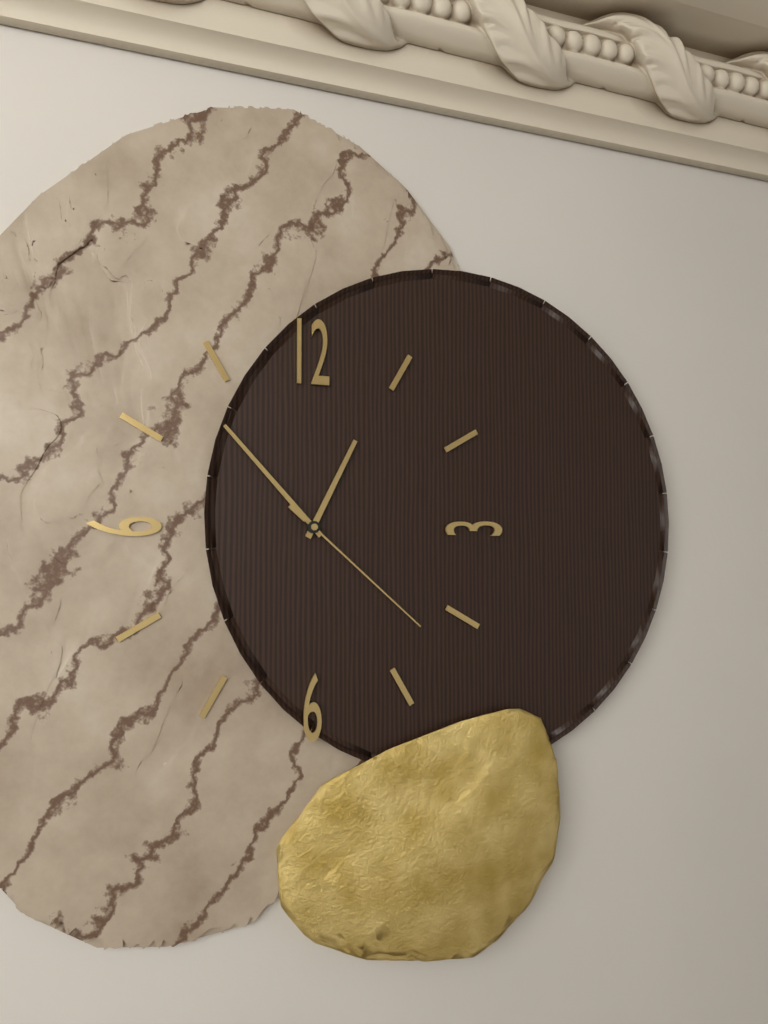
12:53:22
